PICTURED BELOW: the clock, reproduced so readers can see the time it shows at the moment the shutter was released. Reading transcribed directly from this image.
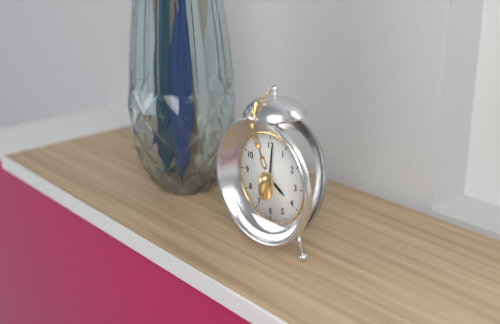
4:01
